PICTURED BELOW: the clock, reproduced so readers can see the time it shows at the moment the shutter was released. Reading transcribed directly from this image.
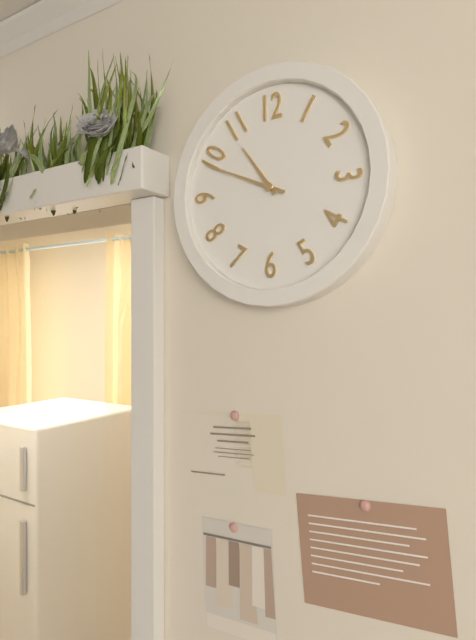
10:49
